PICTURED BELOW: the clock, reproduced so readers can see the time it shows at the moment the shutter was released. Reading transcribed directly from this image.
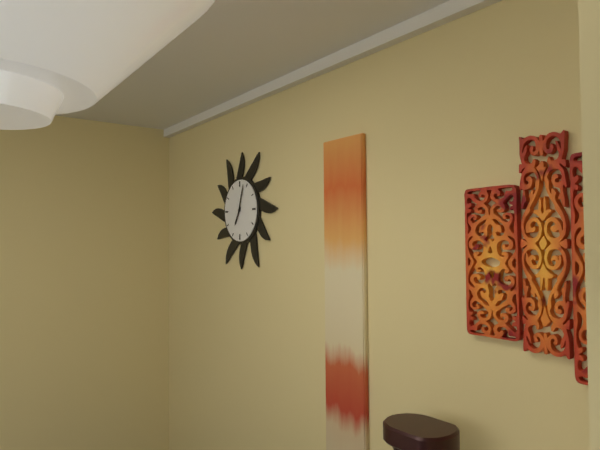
7:03
